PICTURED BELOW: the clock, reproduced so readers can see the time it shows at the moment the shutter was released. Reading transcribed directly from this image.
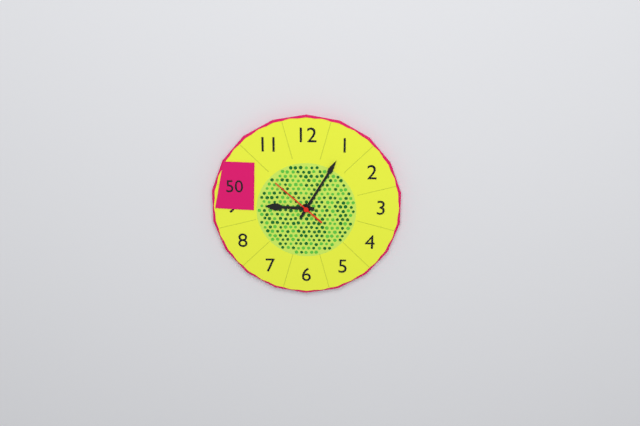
9:05:52
